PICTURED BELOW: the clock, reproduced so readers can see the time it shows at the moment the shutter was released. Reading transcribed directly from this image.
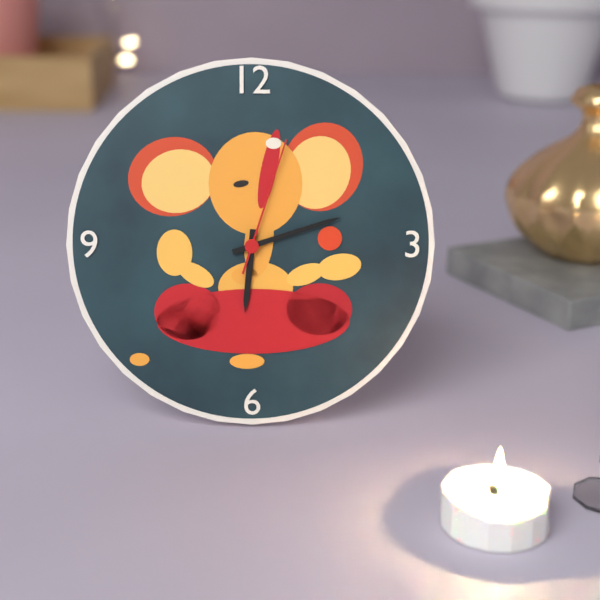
6:12:03
